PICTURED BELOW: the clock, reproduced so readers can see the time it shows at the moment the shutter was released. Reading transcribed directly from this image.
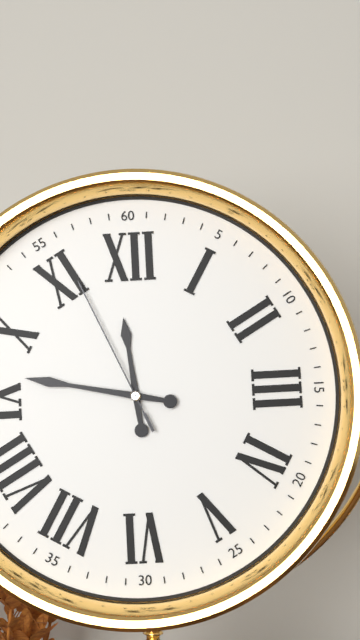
11:47:56
